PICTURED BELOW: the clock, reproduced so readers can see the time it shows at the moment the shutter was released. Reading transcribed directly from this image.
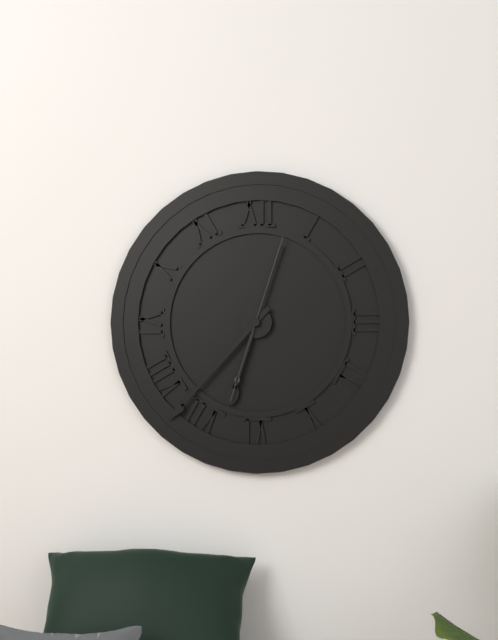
6:37:03
